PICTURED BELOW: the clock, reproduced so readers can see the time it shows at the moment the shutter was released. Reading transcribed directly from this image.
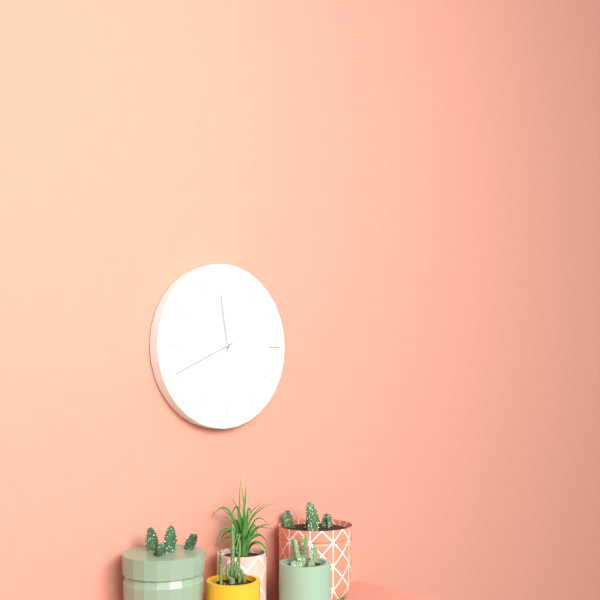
11:41
